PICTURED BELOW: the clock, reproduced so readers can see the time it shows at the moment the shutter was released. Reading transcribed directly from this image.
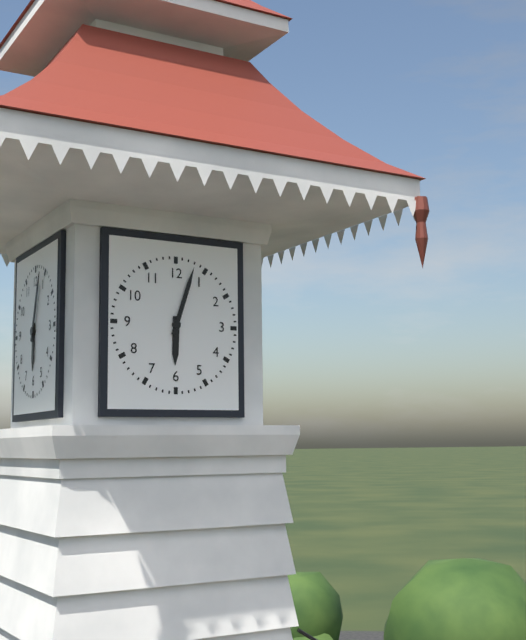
6:03
